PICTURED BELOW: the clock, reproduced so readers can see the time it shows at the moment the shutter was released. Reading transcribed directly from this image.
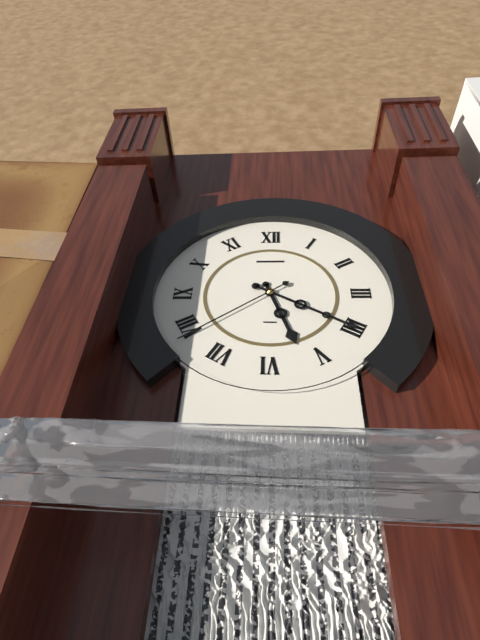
5:20:39
